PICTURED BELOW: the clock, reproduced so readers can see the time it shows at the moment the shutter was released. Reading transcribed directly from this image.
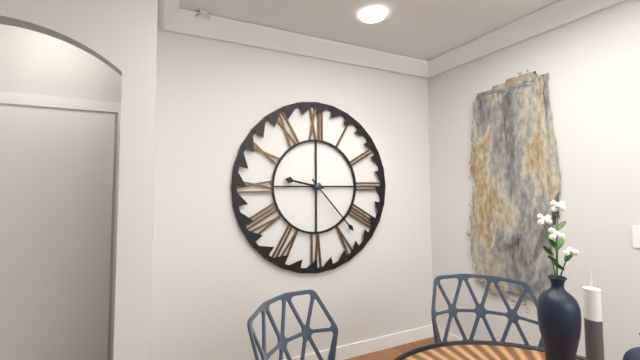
9:23
